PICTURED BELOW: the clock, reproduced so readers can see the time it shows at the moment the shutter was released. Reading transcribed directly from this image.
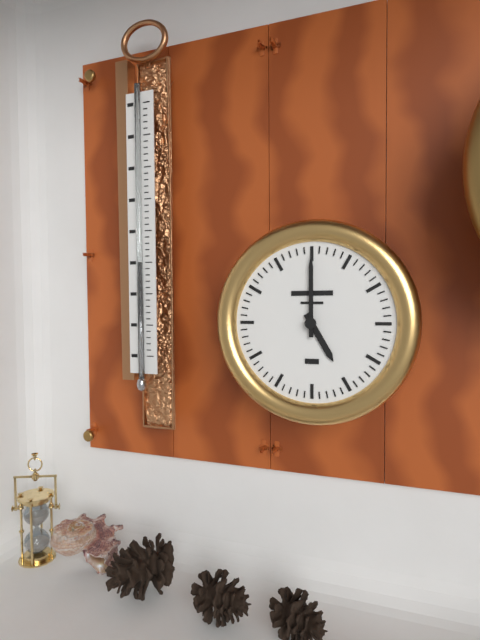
5:00
